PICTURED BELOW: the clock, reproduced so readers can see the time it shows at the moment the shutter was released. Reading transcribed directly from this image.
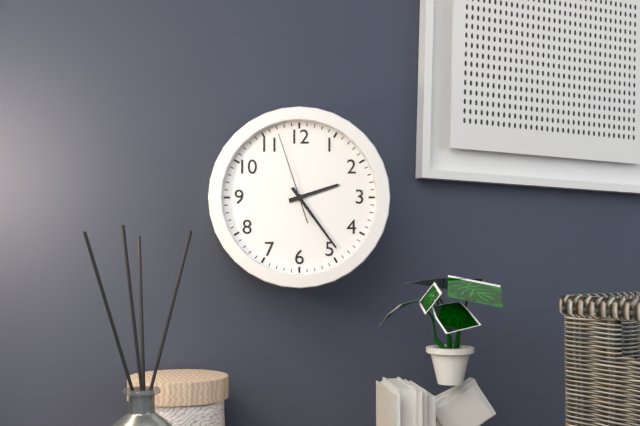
2:24:57
